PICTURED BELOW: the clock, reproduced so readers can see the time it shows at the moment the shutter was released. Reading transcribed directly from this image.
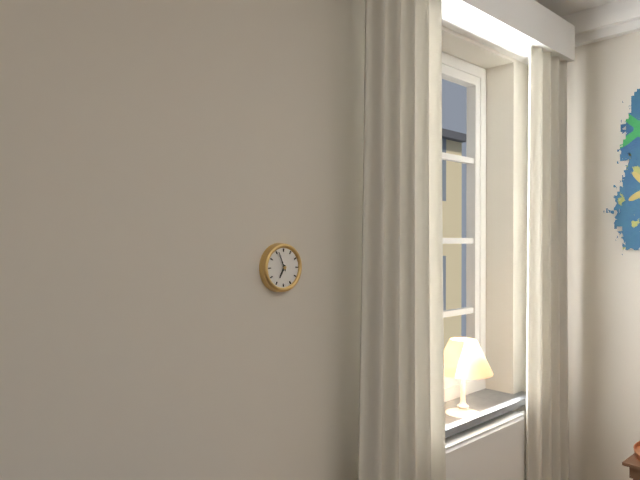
6:56
